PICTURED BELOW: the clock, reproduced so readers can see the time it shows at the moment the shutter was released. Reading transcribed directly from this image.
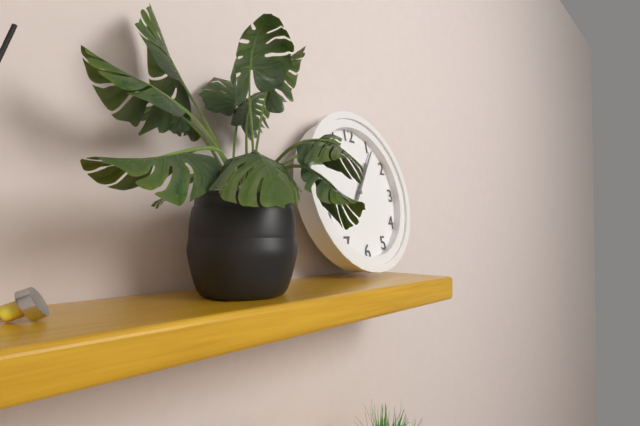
1:06
